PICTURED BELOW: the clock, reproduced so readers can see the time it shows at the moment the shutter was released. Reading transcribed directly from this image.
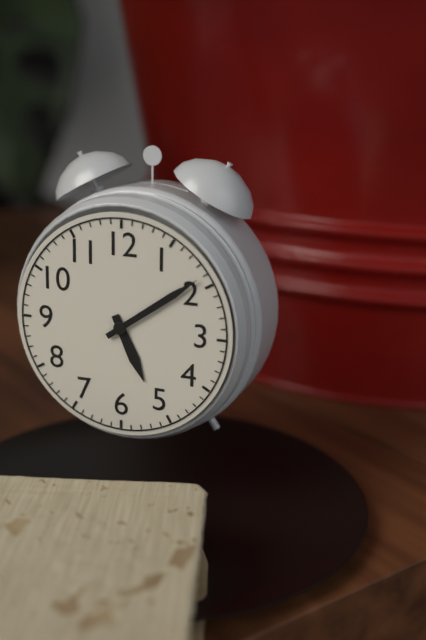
5:09
